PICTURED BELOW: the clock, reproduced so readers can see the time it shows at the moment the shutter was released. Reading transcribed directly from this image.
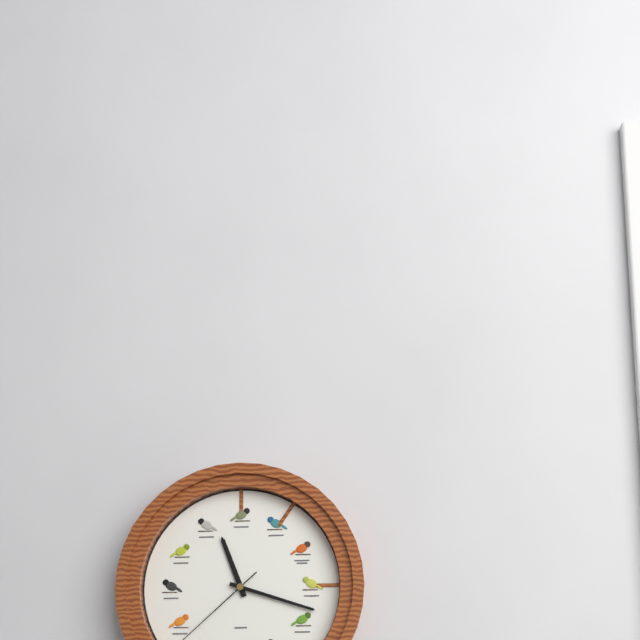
11:18
